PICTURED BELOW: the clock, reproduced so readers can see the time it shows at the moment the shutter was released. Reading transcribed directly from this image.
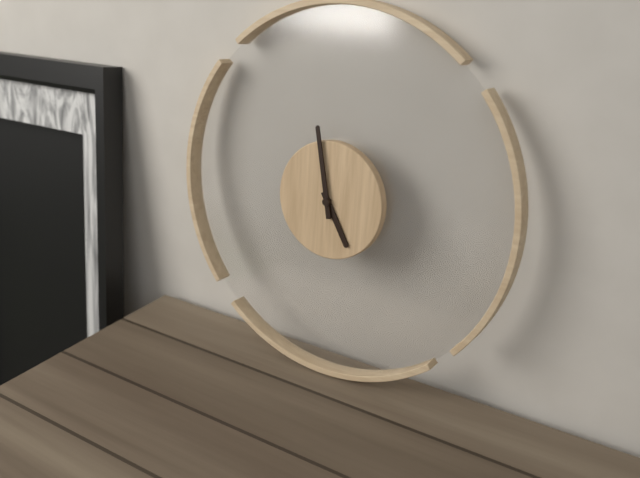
4:58
